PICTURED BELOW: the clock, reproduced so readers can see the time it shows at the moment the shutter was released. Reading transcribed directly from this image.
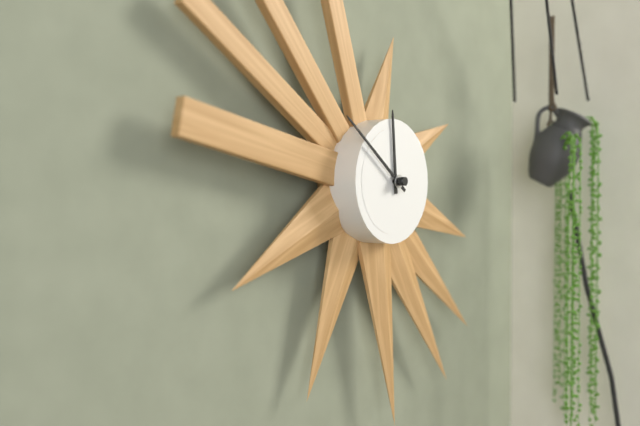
11:51
